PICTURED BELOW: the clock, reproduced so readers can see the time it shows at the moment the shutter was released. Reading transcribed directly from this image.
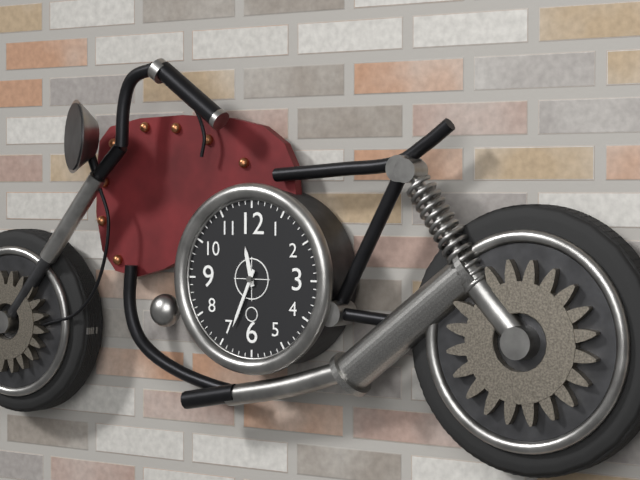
11:34
